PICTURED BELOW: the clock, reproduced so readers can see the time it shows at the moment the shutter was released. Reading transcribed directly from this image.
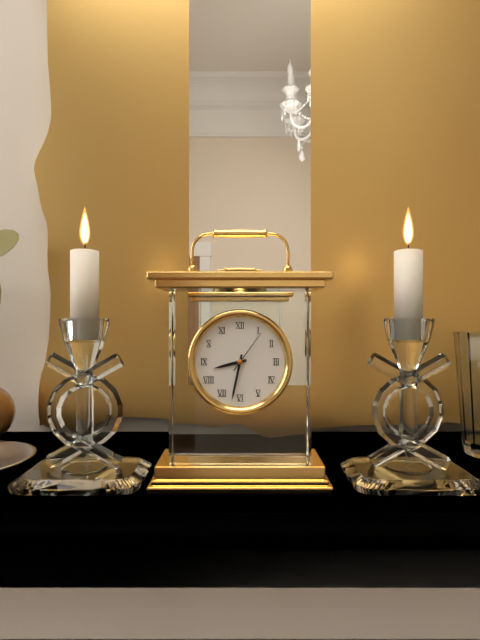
8:32
